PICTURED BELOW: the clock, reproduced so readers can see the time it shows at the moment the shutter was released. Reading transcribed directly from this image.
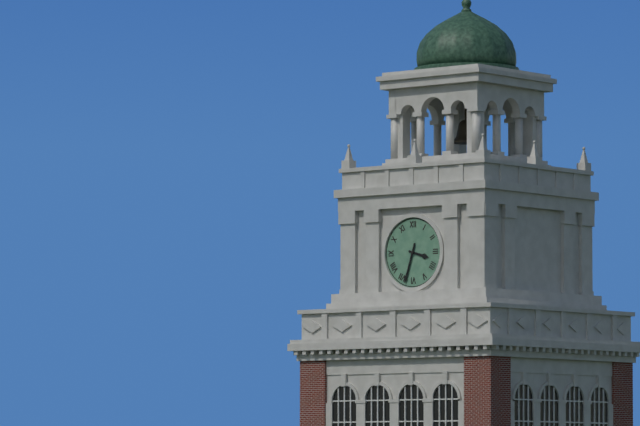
3:33
